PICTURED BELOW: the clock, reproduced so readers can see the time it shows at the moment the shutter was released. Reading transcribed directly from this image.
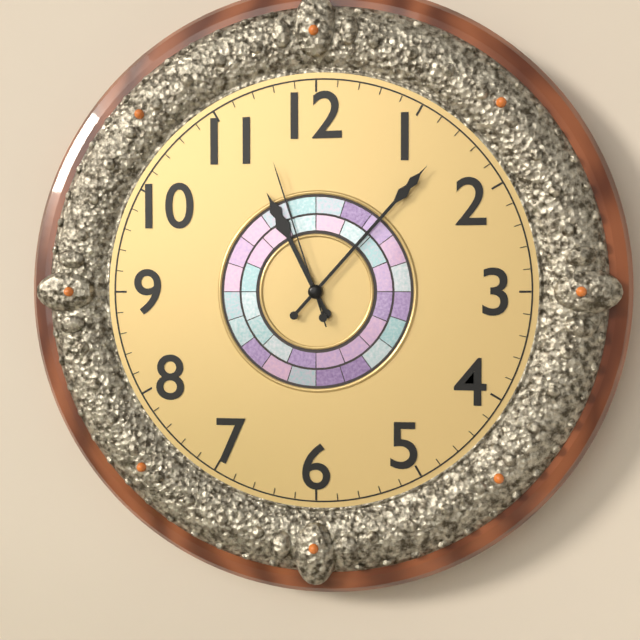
11:07:57
